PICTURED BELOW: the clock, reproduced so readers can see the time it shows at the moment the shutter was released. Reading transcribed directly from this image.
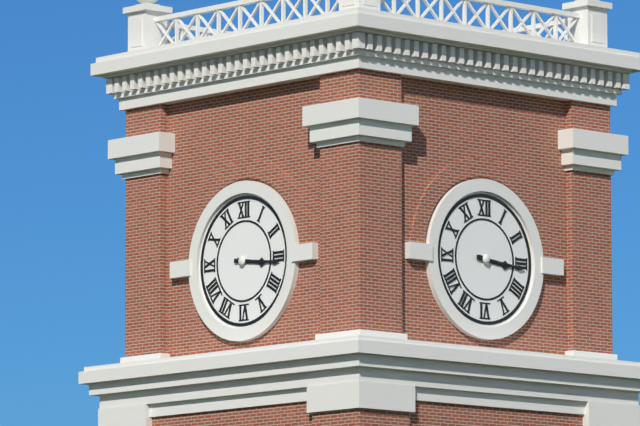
3:16
